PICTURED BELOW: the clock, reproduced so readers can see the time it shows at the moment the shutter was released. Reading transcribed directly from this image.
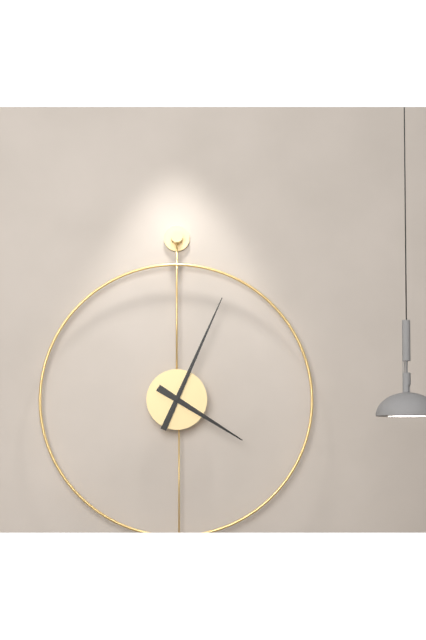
4:04
